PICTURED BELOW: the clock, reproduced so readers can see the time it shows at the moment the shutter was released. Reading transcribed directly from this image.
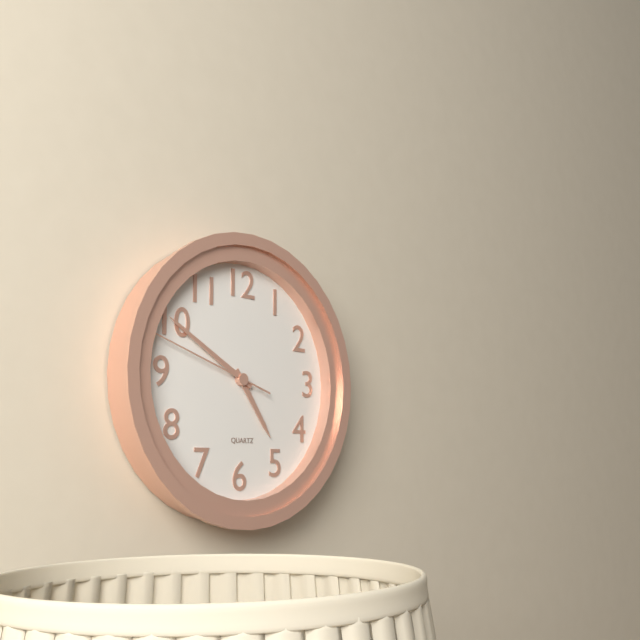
4:50:48
